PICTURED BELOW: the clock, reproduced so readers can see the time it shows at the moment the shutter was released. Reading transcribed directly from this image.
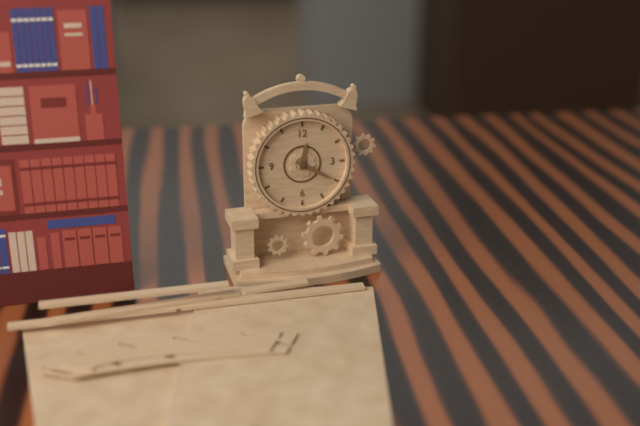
12:20
